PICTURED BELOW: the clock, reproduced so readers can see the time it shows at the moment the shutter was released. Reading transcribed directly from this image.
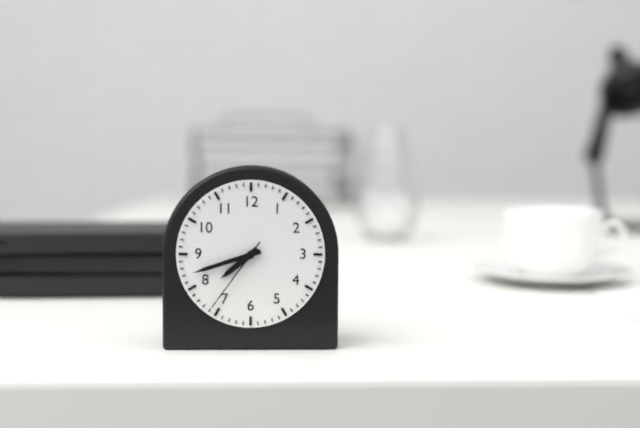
7:42:36
